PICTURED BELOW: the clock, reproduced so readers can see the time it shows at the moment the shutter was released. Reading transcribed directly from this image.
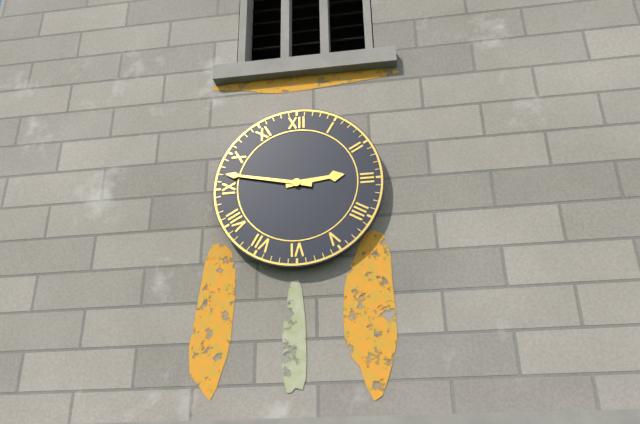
2:47
